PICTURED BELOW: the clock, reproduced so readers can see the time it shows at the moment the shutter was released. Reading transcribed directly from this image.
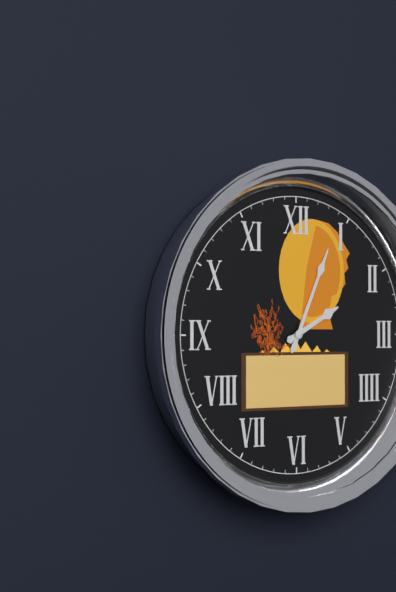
2:04
